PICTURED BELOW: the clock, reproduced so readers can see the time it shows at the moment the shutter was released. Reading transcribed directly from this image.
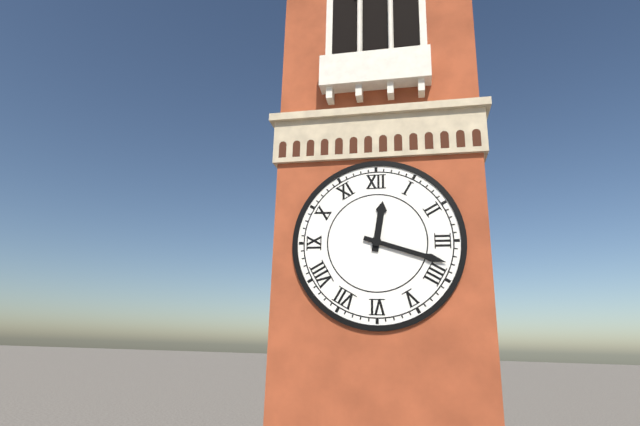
12:18
